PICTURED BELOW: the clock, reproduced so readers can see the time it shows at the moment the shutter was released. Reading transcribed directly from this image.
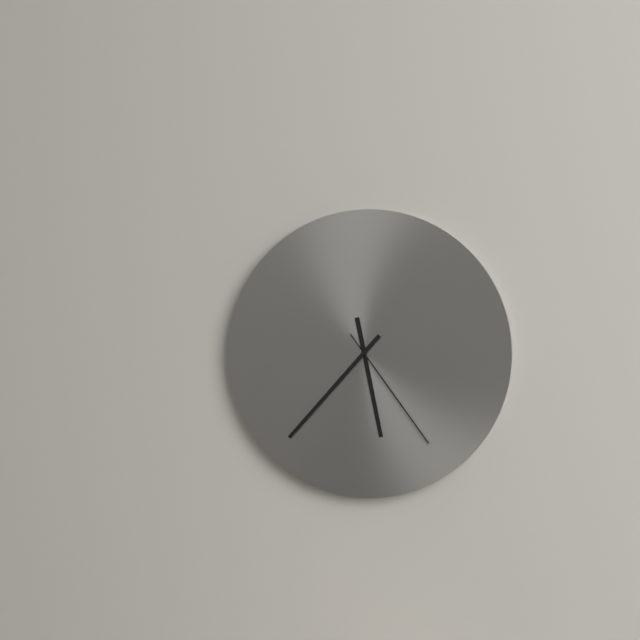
5:37:24
